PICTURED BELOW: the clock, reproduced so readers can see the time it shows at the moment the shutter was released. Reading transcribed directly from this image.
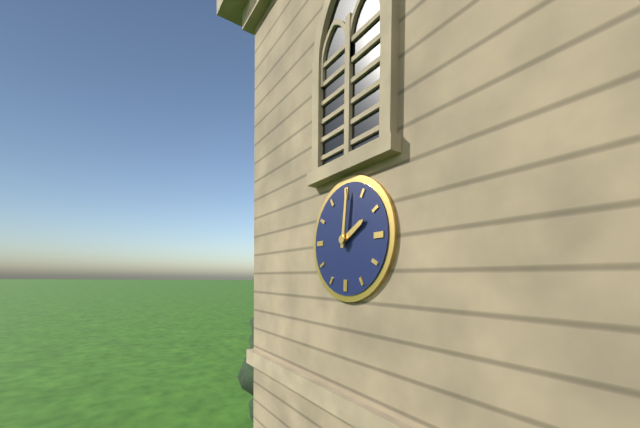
2:01
